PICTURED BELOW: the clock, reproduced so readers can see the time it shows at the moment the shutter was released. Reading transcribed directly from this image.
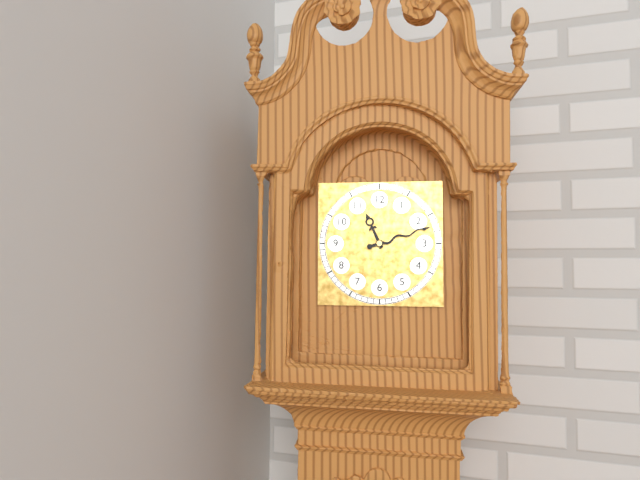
11:12
